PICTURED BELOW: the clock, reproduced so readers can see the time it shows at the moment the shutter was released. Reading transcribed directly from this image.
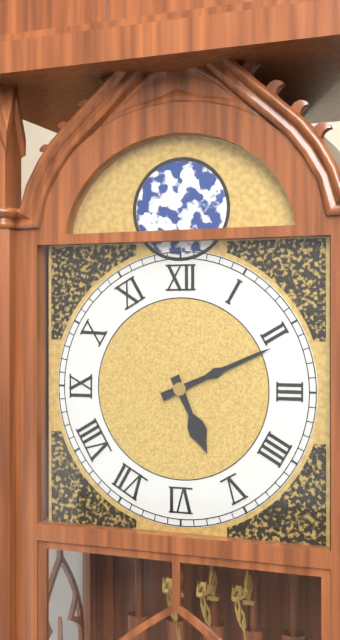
5:11
